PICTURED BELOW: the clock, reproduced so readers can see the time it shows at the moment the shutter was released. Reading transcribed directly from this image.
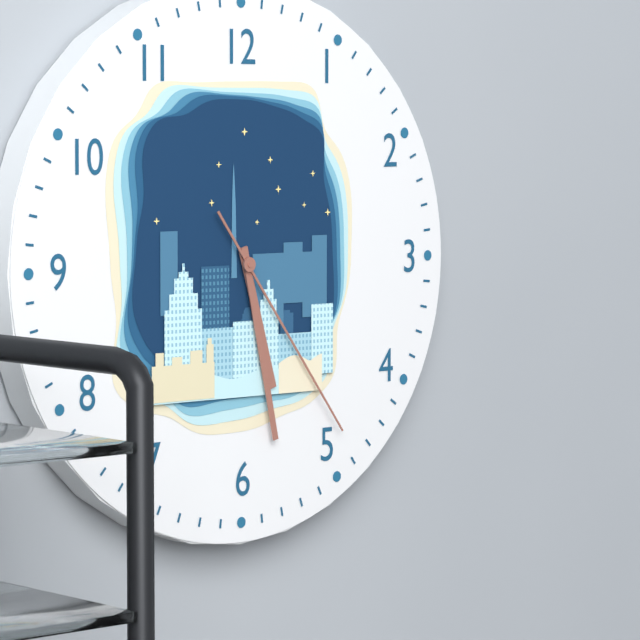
5:28:24
